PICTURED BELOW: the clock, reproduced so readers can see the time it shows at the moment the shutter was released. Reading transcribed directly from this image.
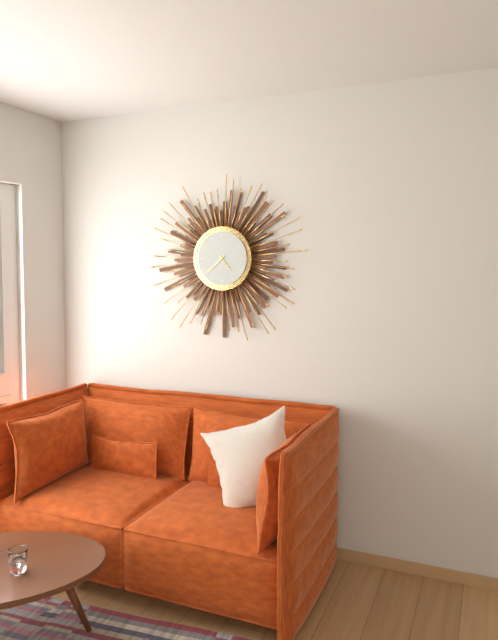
4:38
